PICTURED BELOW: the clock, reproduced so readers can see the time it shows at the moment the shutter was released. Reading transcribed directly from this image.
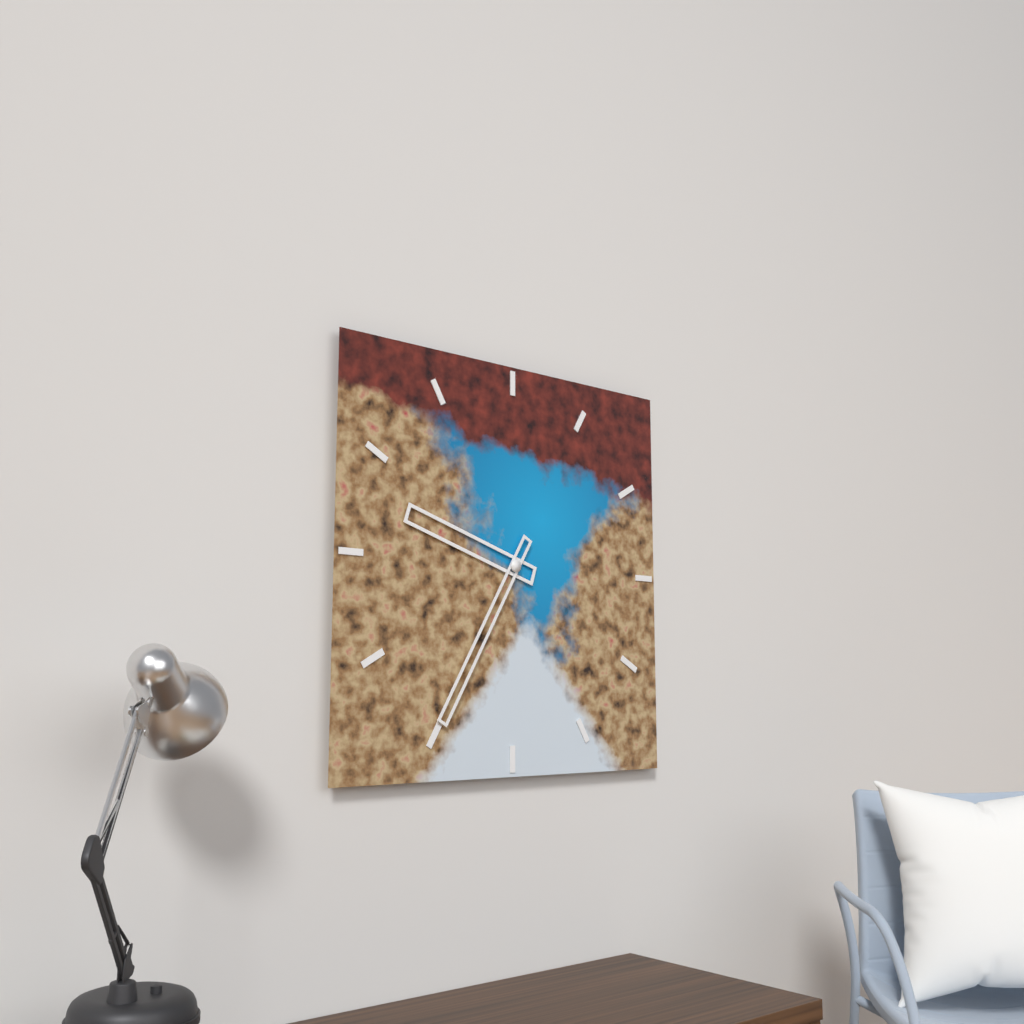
9:35
